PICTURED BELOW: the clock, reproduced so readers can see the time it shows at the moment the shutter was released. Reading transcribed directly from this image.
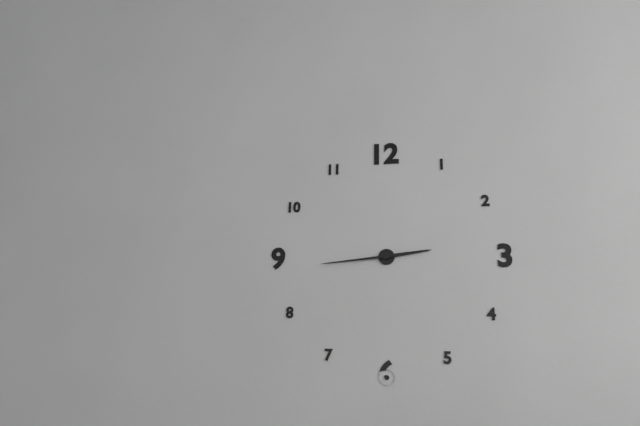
2:44
